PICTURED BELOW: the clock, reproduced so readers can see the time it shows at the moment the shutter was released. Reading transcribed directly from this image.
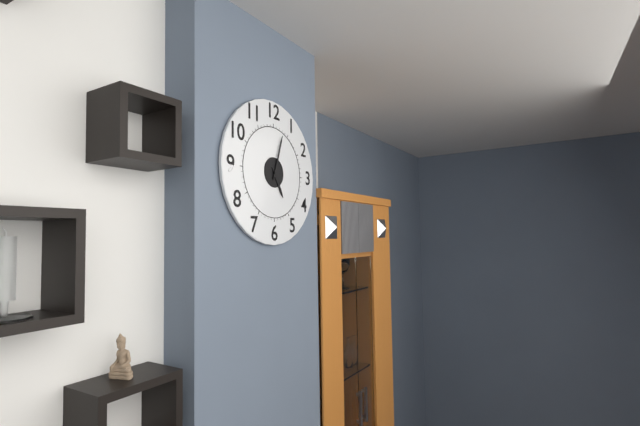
5:03
